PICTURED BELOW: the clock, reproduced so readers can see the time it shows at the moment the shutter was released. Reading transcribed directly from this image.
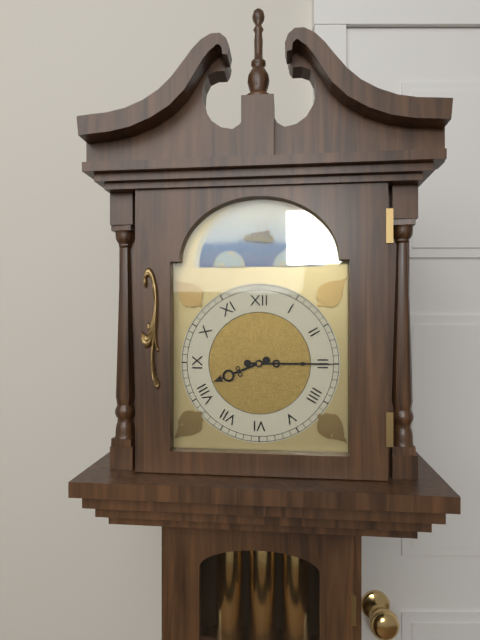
8:15
